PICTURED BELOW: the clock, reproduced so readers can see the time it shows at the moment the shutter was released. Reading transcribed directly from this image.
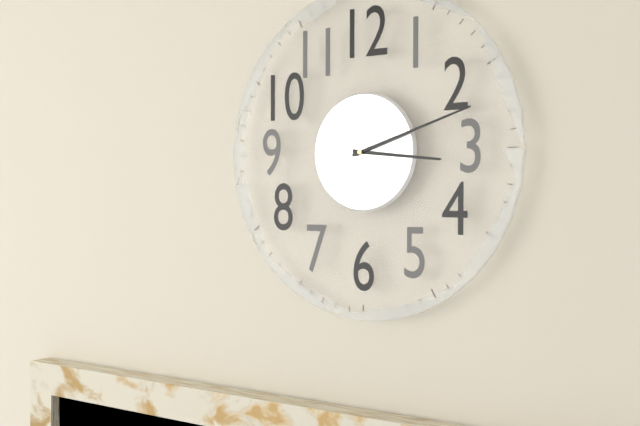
3:12
